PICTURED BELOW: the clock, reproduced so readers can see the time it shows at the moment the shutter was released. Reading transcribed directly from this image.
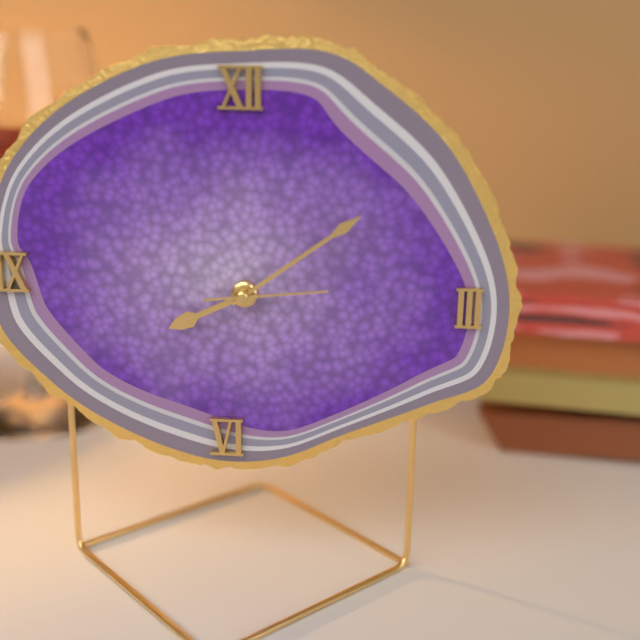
8:09:14
